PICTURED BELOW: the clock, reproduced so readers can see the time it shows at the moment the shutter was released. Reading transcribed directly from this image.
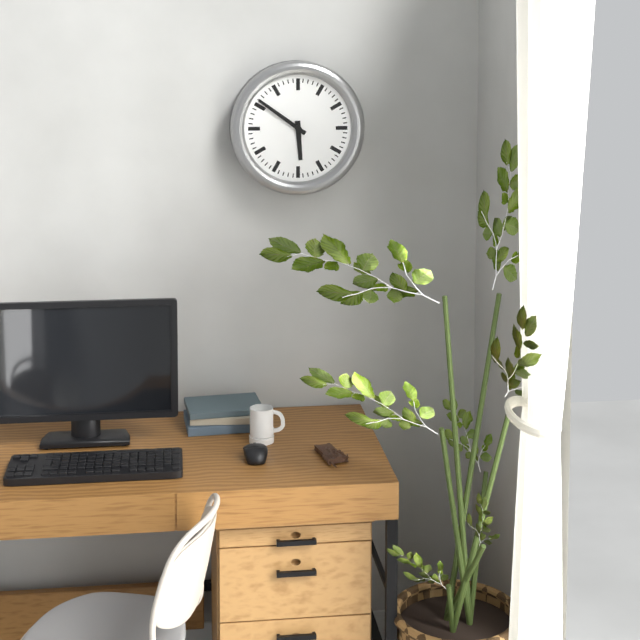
5:51
